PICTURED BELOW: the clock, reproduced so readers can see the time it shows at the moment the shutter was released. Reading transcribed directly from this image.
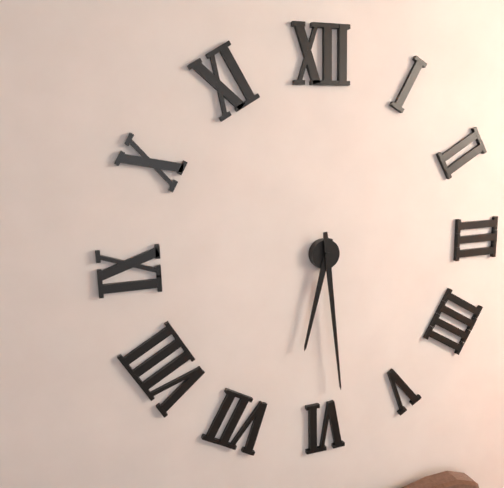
6:29
